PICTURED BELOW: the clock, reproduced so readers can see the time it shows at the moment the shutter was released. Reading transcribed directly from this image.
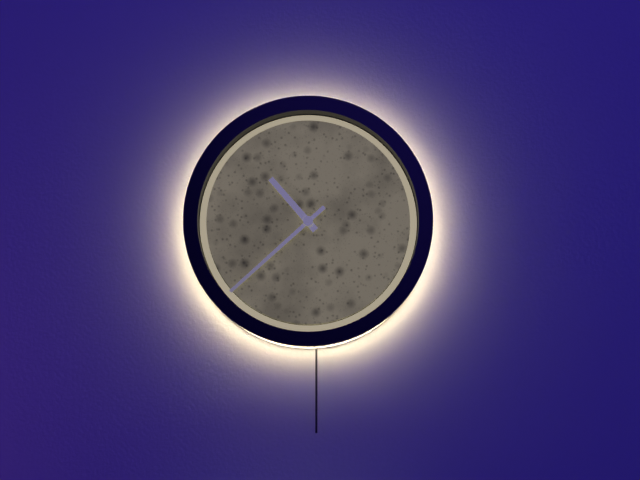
10:38
